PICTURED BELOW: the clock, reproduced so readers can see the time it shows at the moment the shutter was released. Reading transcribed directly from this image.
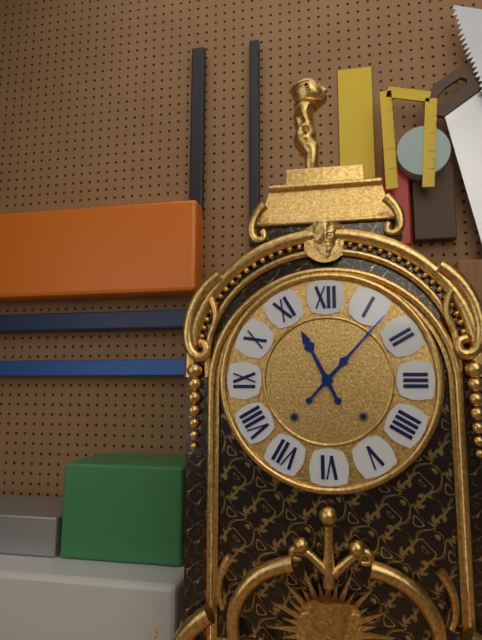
11:07
